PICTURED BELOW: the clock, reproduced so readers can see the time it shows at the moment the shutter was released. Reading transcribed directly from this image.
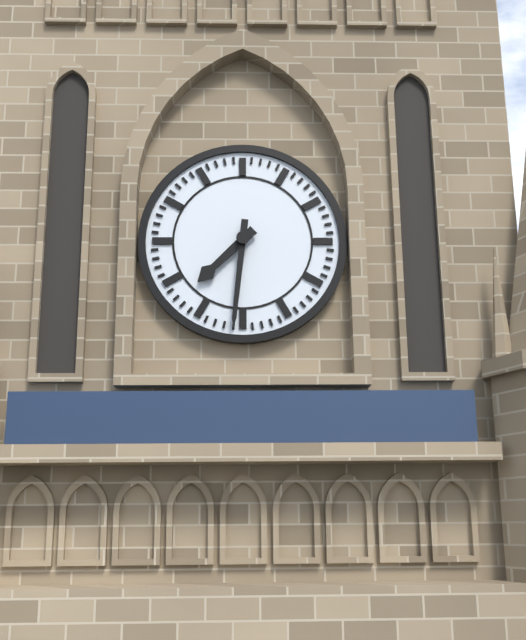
7:31
